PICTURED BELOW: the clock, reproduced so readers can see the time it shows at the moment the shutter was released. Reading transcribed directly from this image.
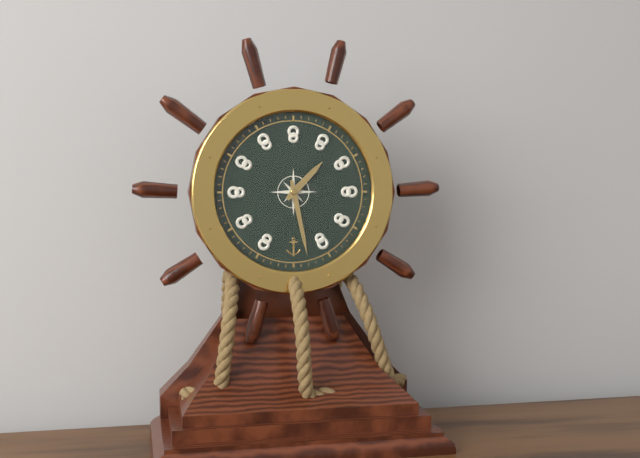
1:28
